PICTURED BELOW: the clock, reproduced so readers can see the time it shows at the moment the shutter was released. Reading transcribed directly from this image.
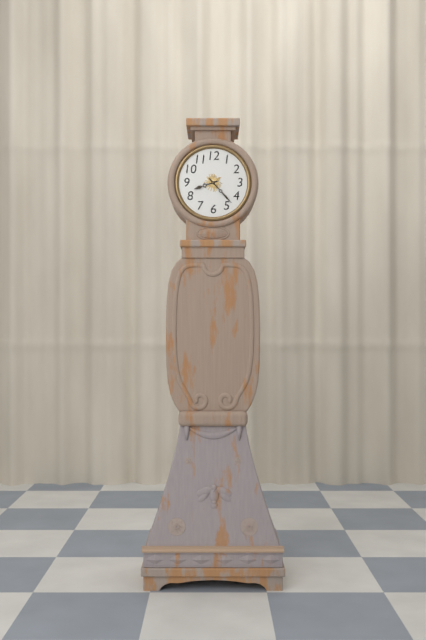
8:23
